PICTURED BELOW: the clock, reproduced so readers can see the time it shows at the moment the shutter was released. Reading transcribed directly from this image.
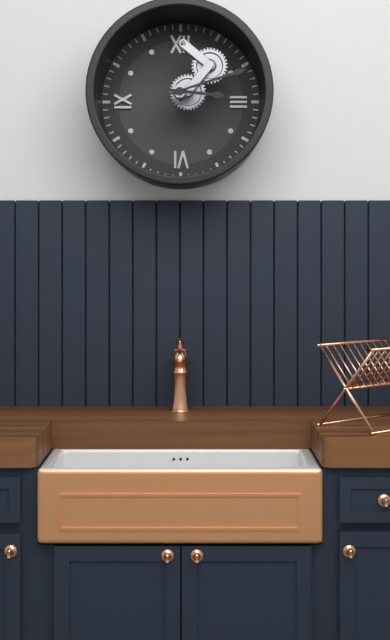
3:12
